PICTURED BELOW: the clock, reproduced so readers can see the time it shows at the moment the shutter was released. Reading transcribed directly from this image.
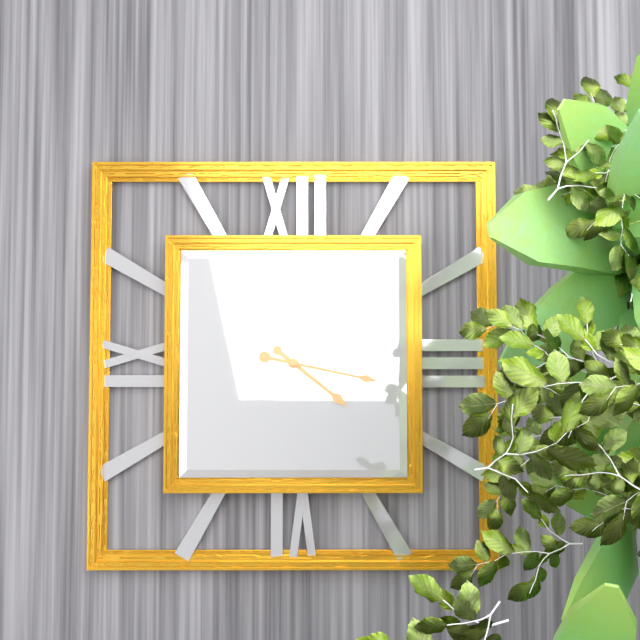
4:17:42
